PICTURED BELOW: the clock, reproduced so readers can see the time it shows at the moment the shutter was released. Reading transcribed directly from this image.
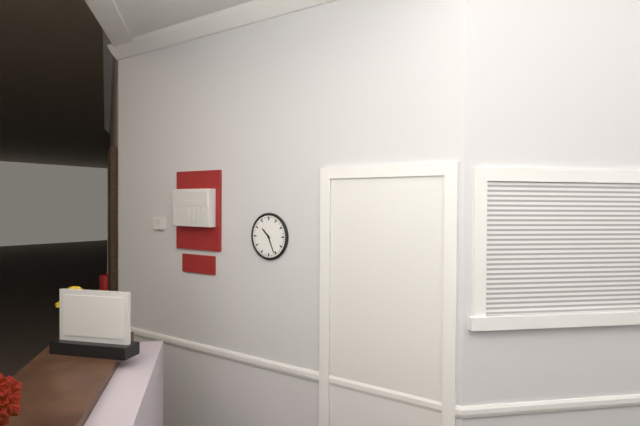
10:26
